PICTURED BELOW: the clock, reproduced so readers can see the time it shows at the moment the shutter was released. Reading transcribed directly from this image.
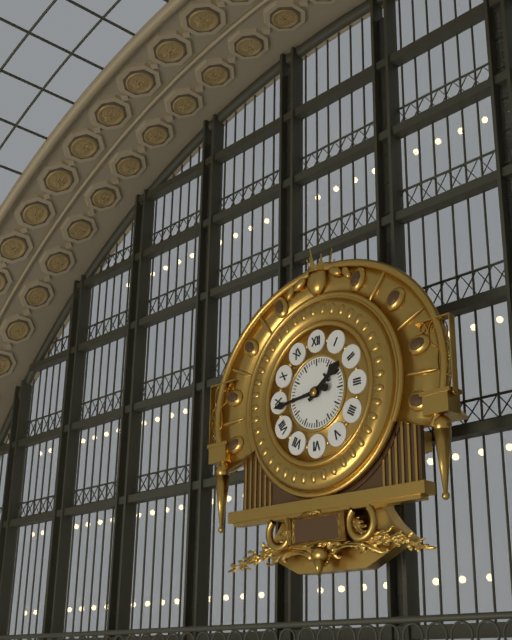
1:44
